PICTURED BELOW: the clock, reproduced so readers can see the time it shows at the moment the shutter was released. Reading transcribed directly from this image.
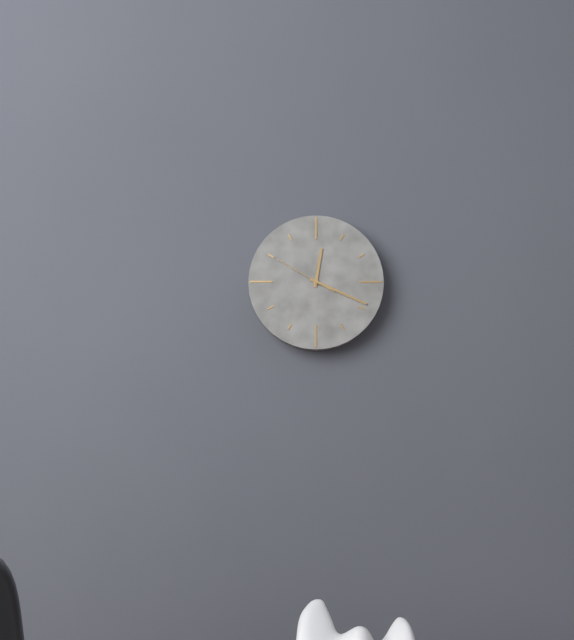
12:19:50
